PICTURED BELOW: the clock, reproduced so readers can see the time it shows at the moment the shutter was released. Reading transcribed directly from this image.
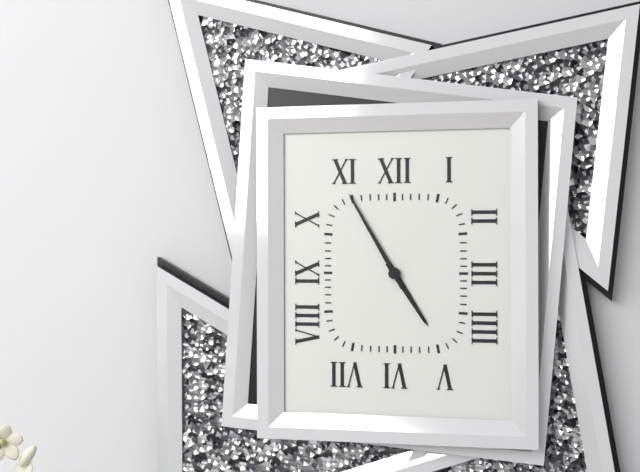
4:55
